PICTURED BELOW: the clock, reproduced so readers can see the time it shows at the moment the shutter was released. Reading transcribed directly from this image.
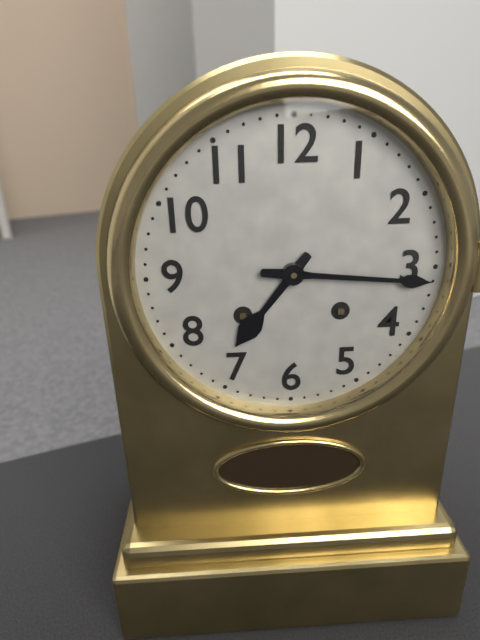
7:16
